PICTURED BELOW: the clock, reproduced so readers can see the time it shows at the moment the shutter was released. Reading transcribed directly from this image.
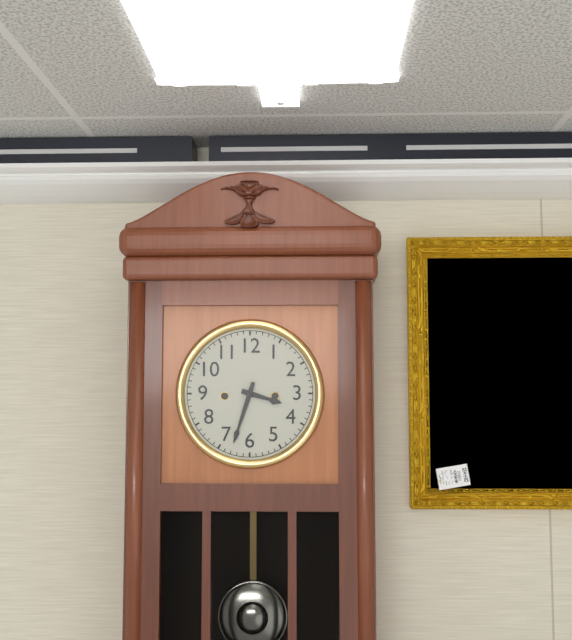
3:33
